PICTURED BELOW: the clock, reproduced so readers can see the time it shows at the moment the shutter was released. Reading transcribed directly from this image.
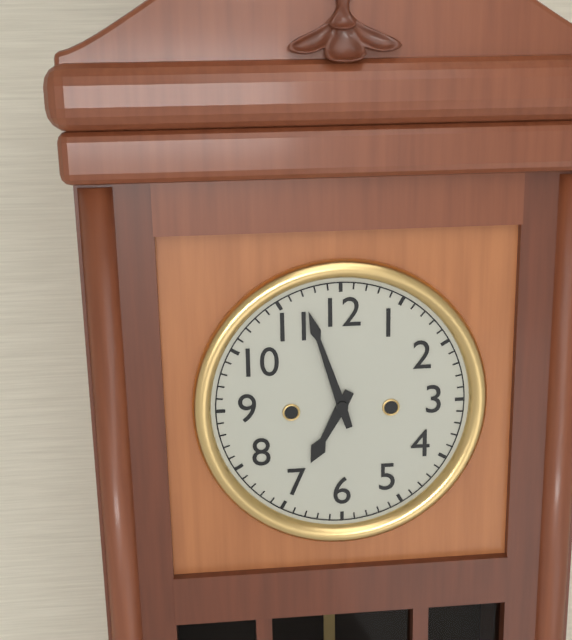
6:57
